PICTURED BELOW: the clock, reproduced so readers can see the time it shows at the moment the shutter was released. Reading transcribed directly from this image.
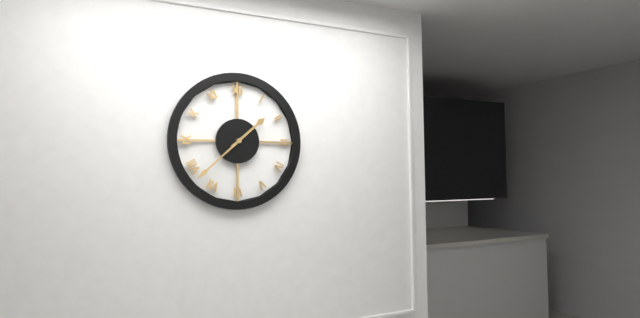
1:38
